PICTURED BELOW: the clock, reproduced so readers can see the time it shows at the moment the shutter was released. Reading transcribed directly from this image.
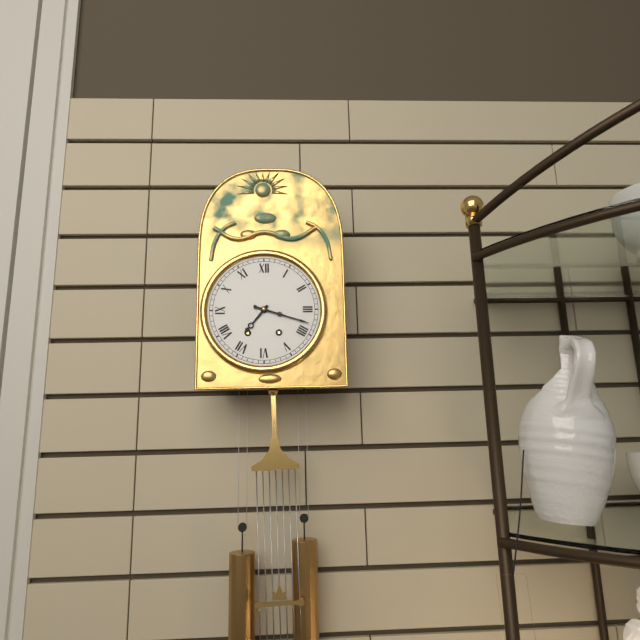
7:18
